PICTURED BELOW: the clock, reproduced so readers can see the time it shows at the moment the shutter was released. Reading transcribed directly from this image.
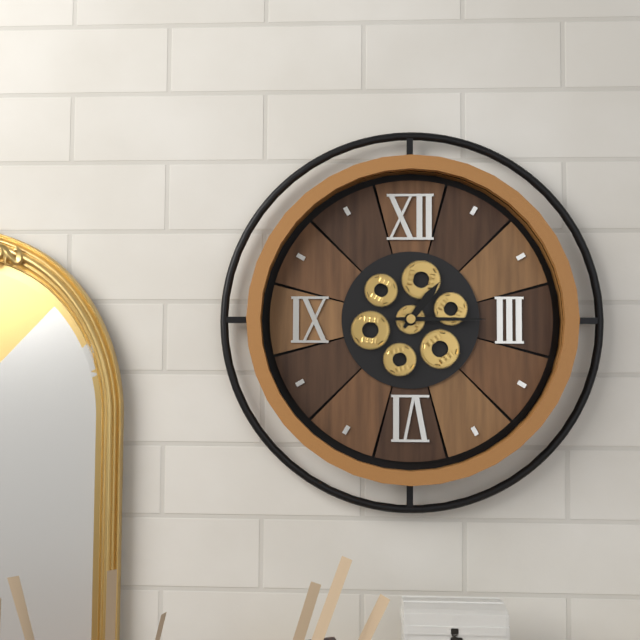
1:15
